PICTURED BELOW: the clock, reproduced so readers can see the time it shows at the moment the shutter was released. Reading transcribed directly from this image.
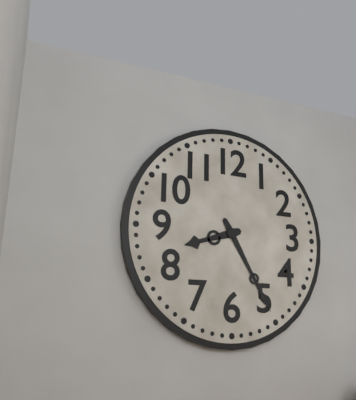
8:25
